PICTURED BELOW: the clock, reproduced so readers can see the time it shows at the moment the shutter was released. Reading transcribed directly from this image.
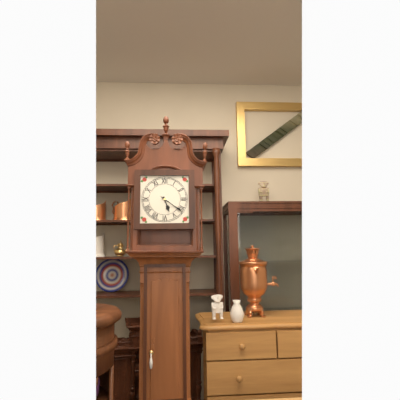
5:21
